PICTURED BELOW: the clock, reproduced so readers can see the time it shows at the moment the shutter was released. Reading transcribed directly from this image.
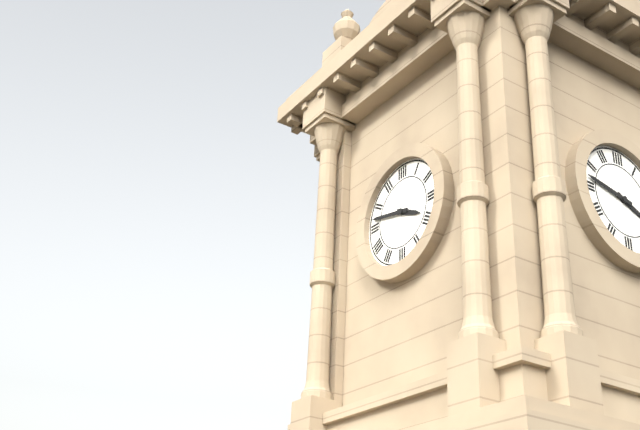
3:47
